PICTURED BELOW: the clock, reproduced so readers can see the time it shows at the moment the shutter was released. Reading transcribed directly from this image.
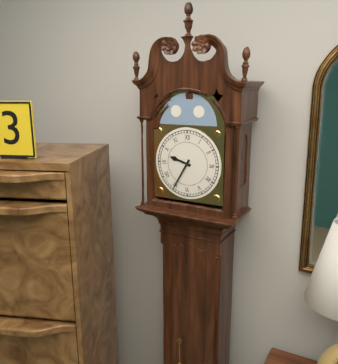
9:35
